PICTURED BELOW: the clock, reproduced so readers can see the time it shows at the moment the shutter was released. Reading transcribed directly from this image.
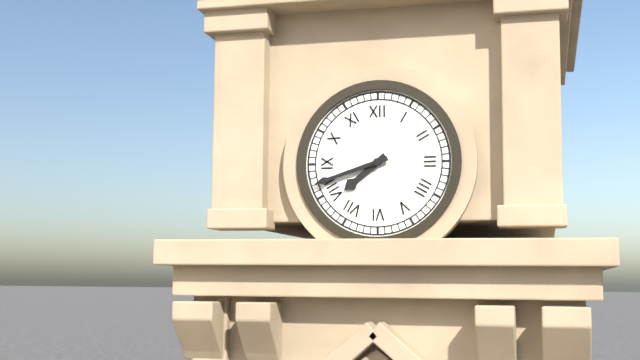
7:42
